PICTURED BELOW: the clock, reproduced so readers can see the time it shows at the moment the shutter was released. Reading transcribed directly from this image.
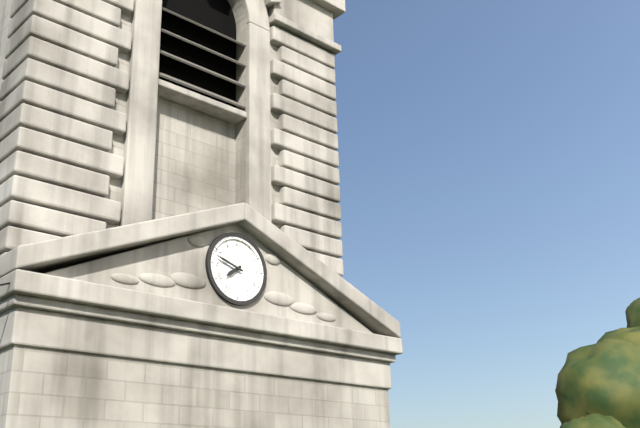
7:48
